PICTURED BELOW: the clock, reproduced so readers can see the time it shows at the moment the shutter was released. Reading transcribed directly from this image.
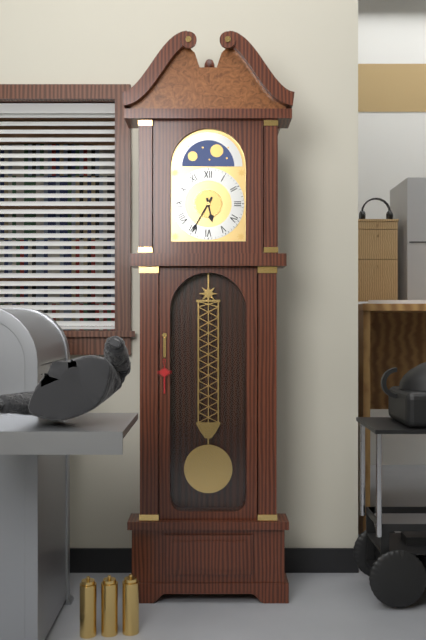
5:35
